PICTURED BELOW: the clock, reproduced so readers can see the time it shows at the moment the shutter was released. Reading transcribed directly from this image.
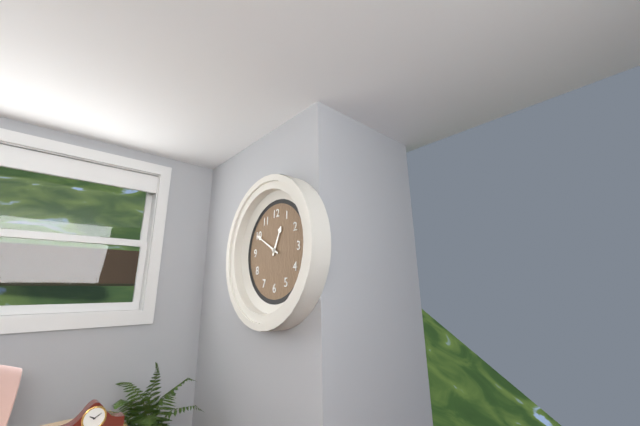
12:50
